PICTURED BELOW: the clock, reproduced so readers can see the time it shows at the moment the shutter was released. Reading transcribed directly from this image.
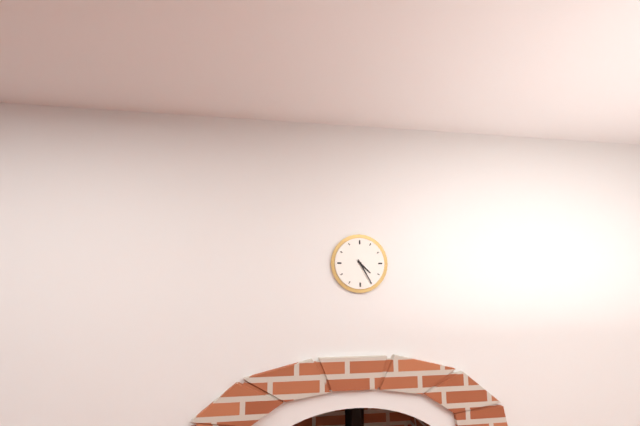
4:25
